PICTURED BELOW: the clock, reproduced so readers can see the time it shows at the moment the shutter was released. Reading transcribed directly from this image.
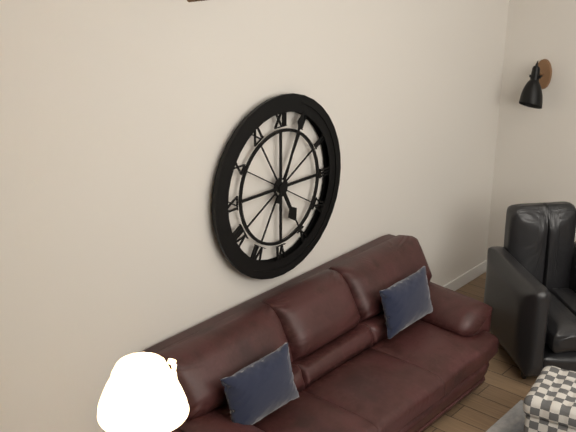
5:04
